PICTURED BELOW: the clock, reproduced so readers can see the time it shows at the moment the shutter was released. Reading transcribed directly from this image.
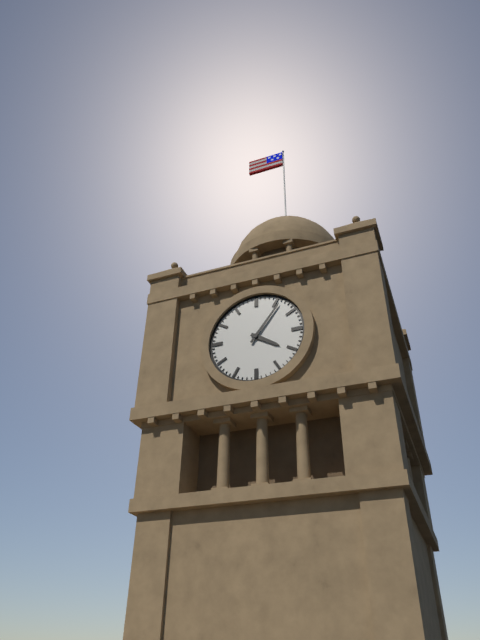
4:06
